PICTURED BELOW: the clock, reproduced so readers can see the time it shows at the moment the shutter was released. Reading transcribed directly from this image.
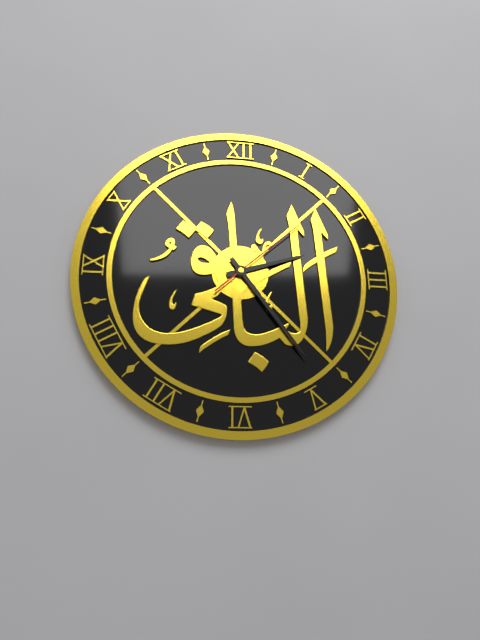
2:24:08
